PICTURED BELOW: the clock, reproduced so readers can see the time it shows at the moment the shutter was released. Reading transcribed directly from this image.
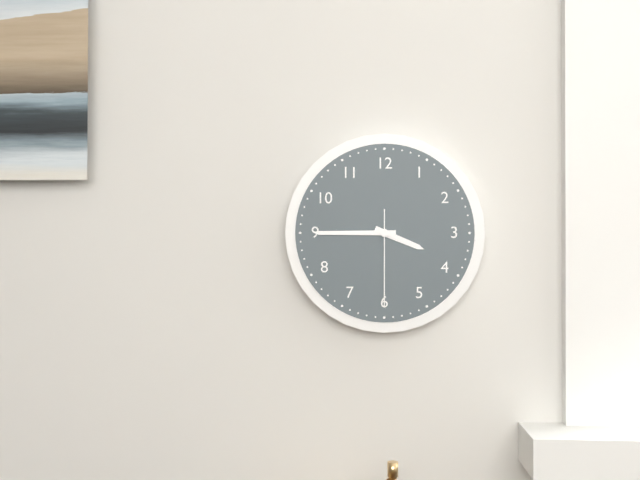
3:45:30
